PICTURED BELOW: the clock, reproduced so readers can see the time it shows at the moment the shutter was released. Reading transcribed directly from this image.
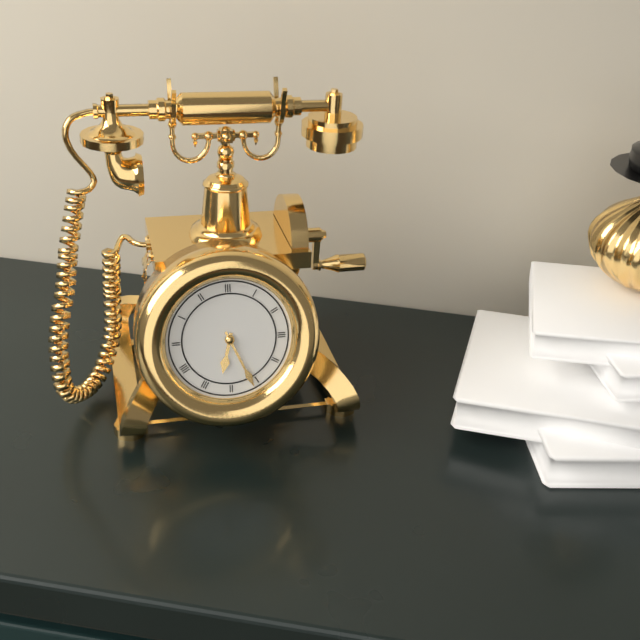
6:26
